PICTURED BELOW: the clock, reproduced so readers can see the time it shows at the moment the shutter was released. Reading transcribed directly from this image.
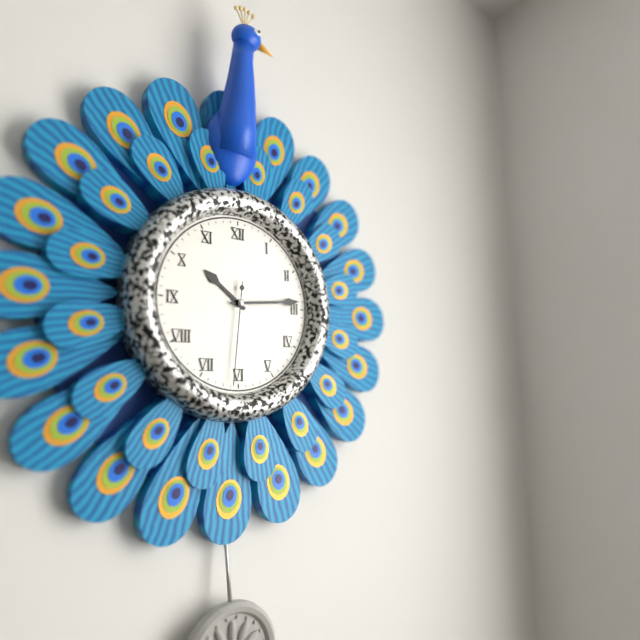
10:14:31
